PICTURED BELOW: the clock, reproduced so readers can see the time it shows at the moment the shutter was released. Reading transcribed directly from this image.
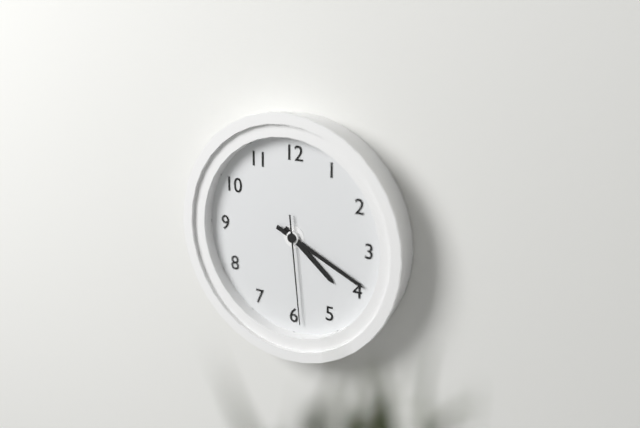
4:19:29
